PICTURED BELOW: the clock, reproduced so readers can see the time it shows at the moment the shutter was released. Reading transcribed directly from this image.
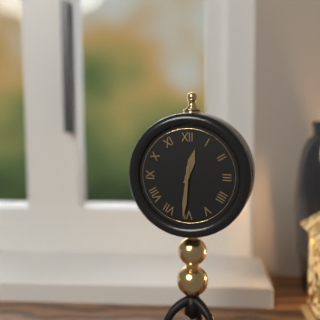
12:31
